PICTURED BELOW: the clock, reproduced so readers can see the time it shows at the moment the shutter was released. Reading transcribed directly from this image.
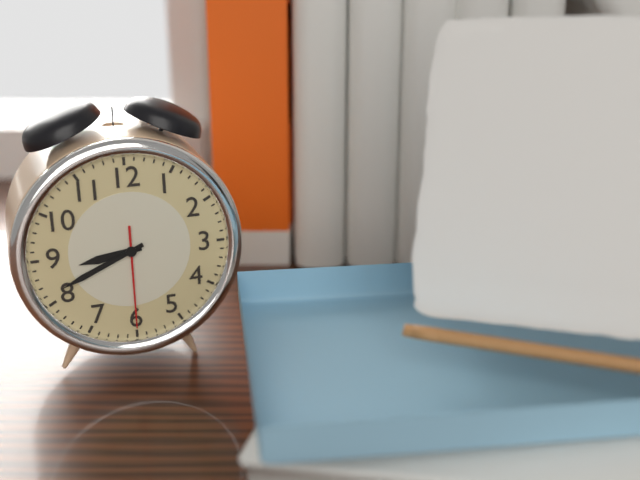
8:41:30
